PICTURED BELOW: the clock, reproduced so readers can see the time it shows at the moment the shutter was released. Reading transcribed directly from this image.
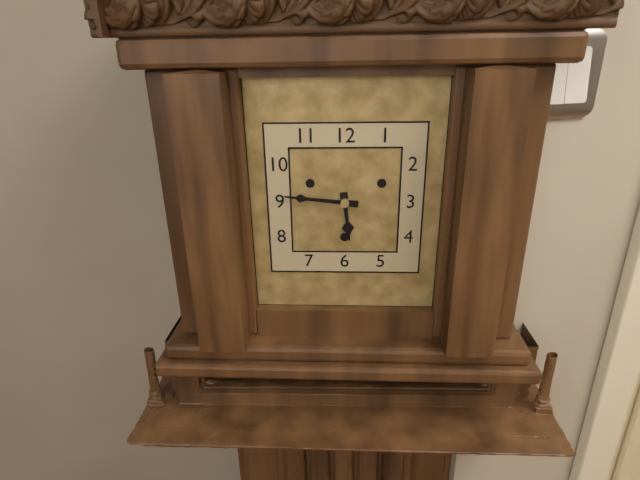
5:46
